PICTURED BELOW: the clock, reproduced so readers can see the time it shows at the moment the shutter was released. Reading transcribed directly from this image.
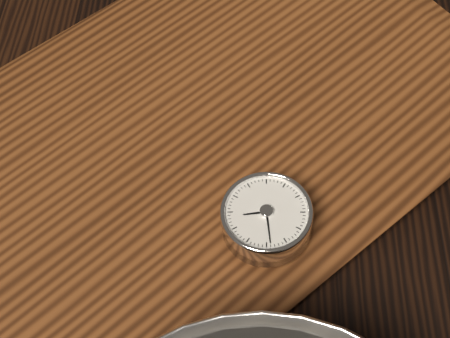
11:44
